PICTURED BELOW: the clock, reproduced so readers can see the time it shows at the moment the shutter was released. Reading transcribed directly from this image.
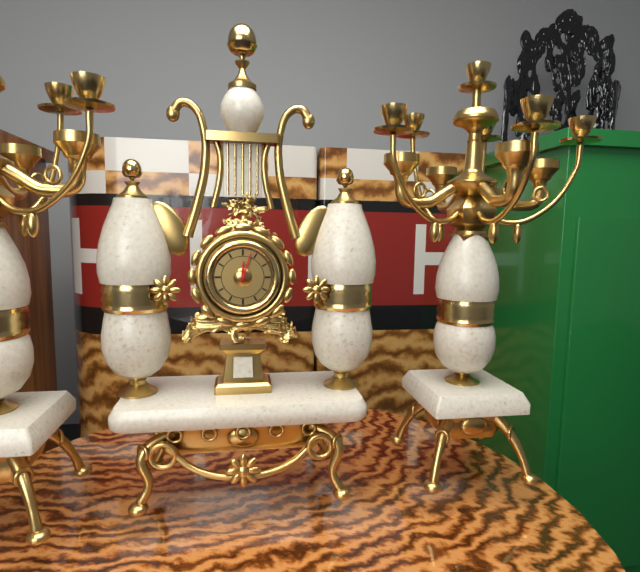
12:03
